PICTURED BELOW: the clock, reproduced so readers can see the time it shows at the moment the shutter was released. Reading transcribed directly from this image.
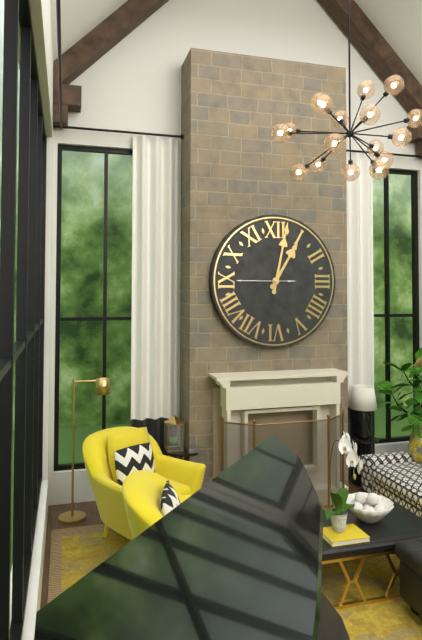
1:02
